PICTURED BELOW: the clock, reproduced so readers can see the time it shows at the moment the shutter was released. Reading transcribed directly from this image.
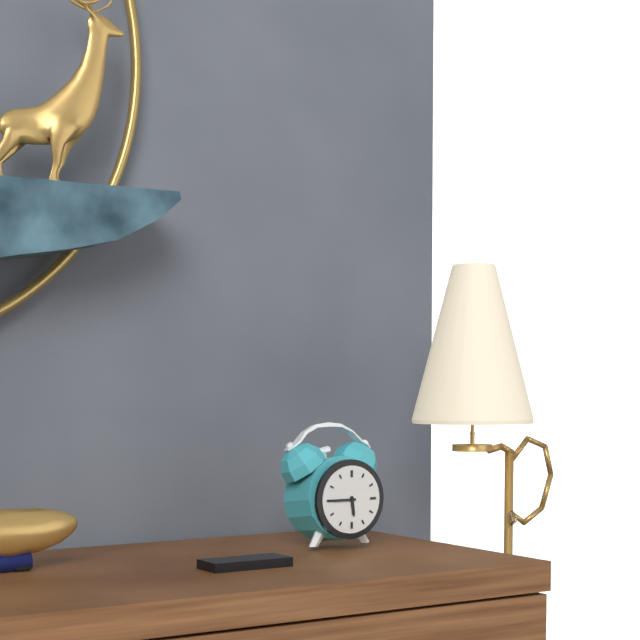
5:45
